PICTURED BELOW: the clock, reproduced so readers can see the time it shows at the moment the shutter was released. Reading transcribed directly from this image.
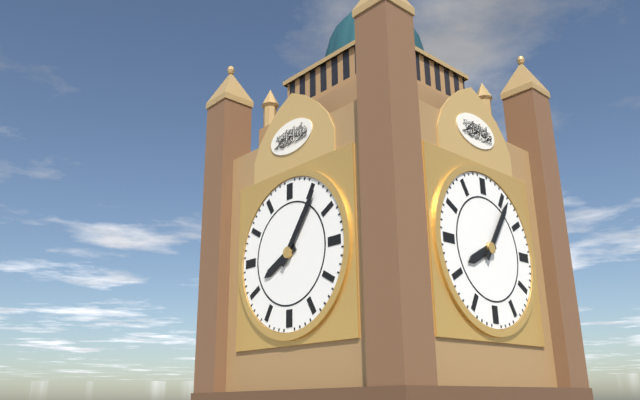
8:06
